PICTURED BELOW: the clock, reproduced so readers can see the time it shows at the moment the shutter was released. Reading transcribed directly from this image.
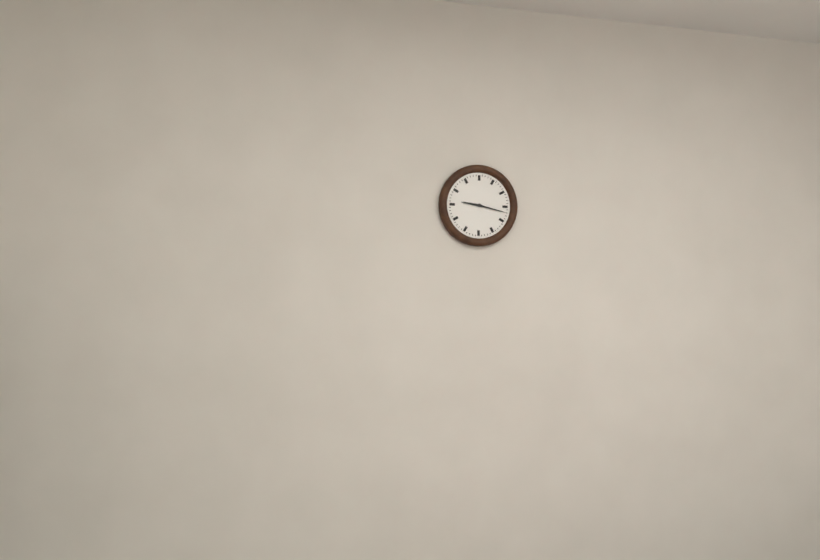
9:17
